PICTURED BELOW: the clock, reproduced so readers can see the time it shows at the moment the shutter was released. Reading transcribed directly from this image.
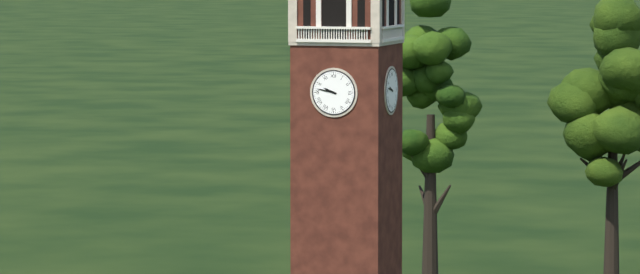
9:47
